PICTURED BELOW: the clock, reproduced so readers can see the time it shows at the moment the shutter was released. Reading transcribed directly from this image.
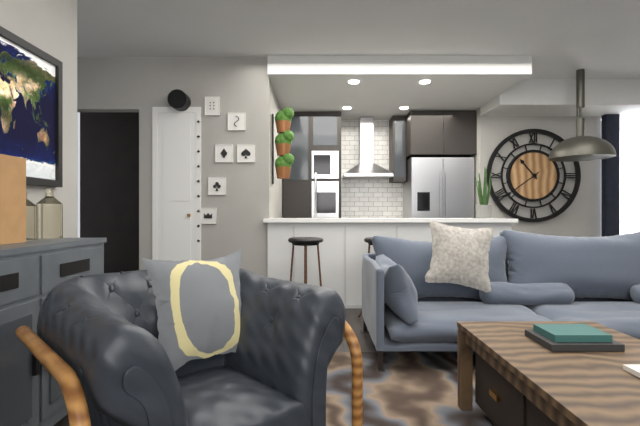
10:39
